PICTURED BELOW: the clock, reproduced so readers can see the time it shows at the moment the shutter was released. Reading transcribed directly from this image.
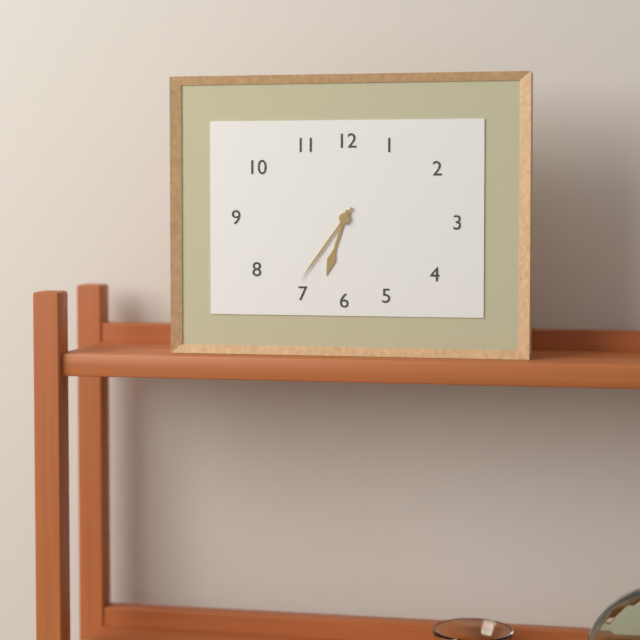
6:36
